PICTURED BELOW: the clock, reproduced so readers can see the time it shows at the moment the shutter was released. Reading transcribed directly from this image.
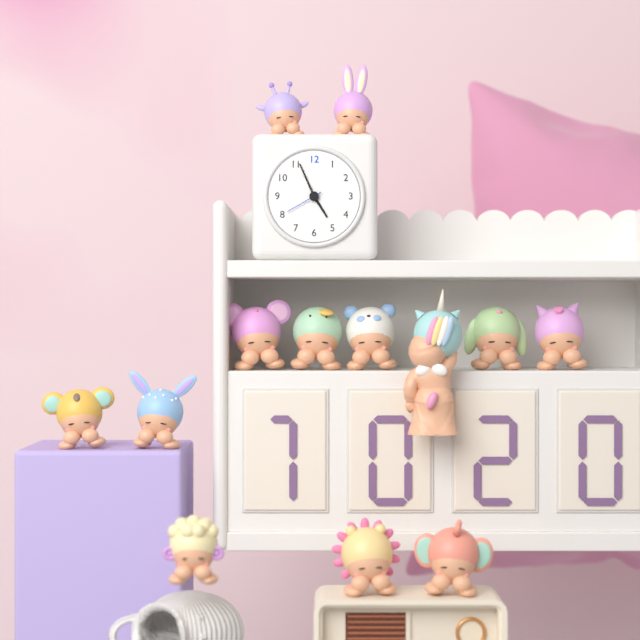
4:56
